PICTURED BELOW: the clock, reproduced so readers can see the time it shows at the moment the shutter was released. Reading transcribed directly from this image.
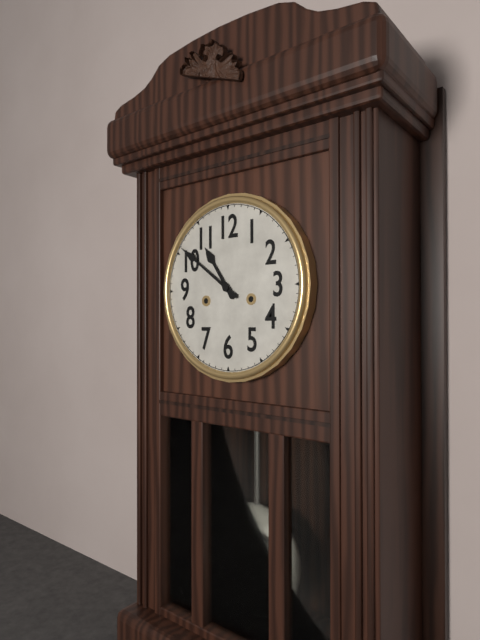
10:51
